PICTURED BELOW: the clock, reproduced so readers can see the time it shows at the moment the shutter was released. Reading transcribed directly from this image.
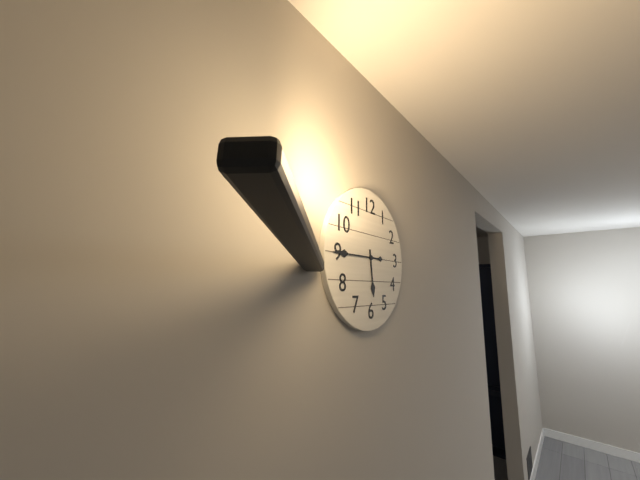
5:45
